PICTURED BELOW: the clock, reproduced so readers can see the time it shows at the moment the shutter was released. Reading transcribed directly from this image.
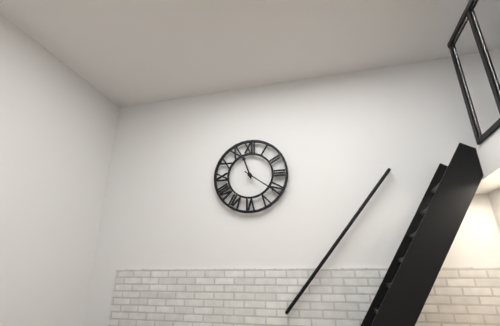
11:21
